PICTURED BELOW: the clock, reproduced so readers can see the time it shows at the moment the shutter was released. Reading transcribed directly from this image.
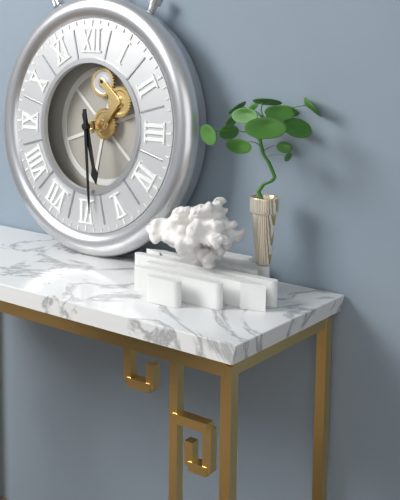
5:29
